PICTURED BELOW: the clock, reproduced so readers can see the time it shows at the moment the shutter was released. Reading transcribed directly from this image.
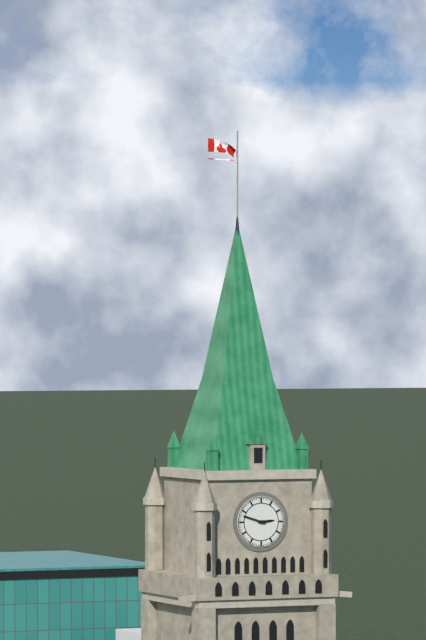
2:48
